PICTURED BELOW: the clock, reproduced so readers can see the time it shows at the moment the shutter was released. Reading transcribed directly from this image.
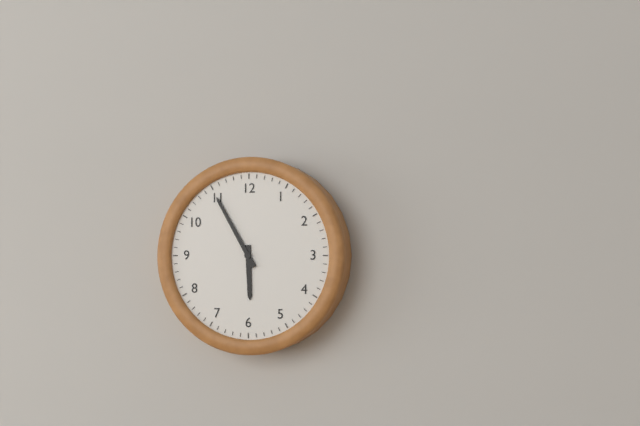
5:55
